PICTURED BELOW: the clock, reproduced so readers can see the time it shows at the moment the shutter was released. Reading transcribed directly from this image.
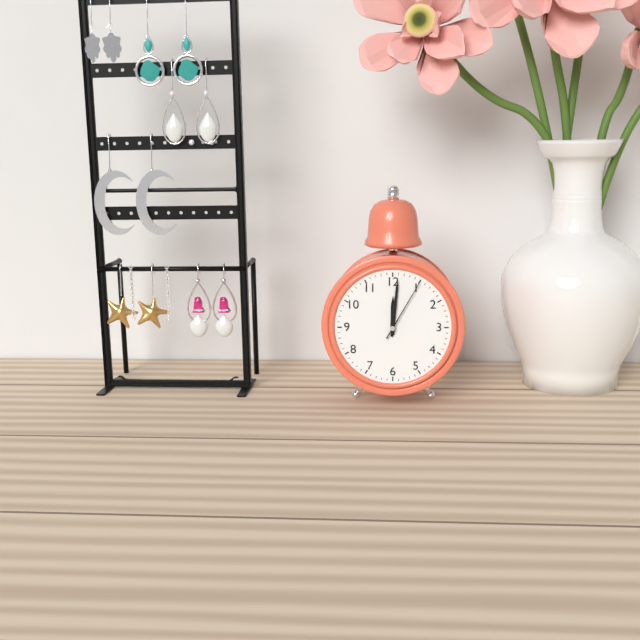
12:01:05
